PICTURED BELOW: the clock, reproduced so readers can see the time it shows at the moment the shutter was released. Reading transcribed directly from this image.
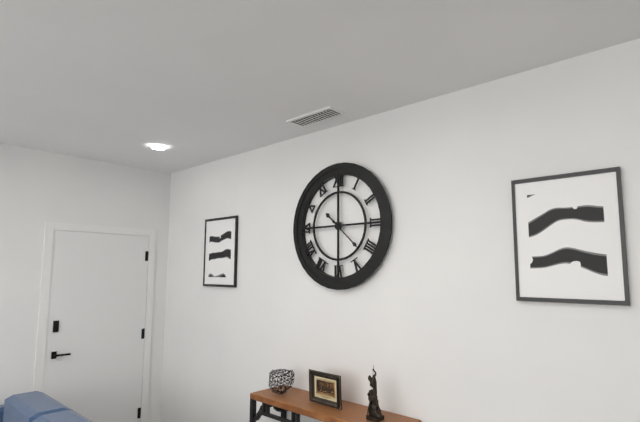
10:22
